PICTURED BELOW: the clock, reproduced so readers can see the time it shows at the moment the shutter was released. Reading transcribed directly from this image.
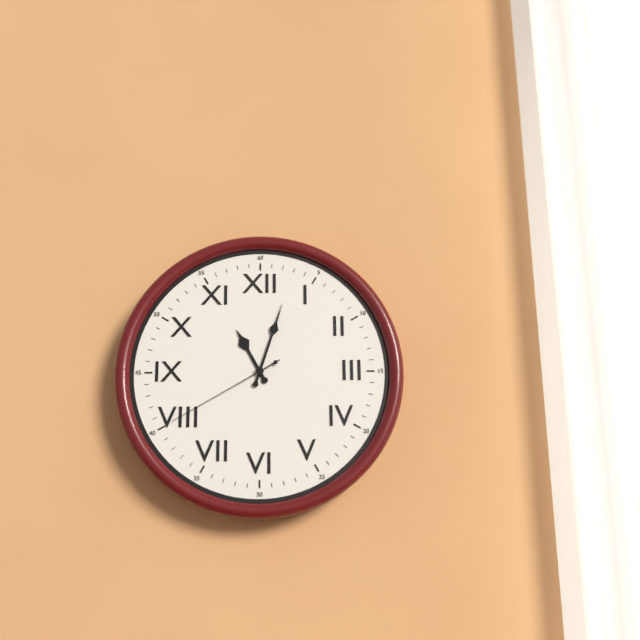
11:03:40
